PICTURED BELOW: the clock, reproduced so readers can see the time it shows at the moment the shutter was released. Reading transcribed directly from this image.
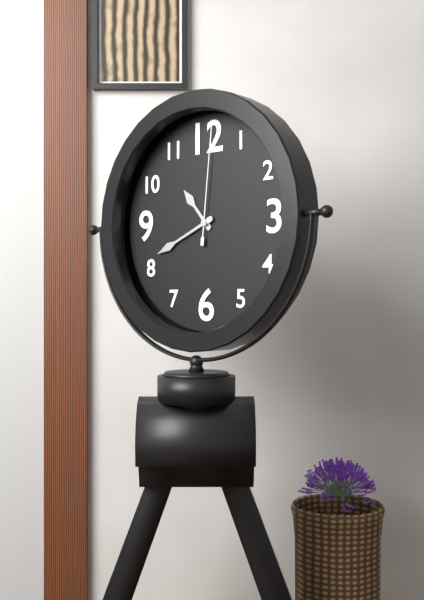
10:41:01
